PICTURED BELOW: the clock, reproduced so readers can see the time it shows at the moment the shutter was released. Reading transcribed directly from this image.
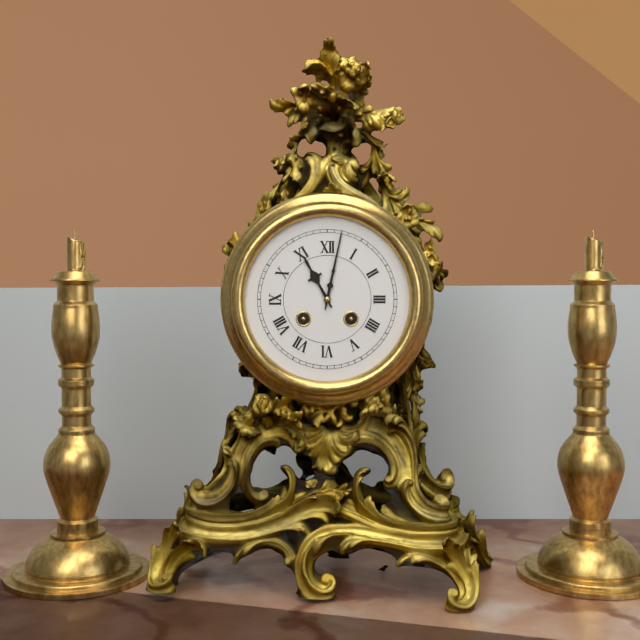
11:02
